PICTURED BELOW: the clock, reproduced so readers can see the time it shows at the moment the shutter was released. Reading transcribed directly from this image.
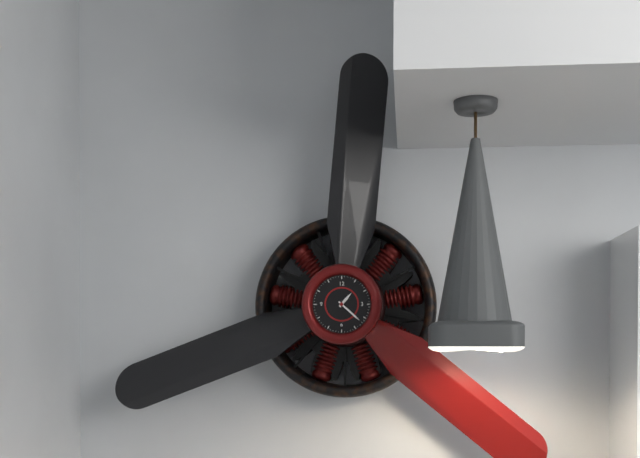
1:22
